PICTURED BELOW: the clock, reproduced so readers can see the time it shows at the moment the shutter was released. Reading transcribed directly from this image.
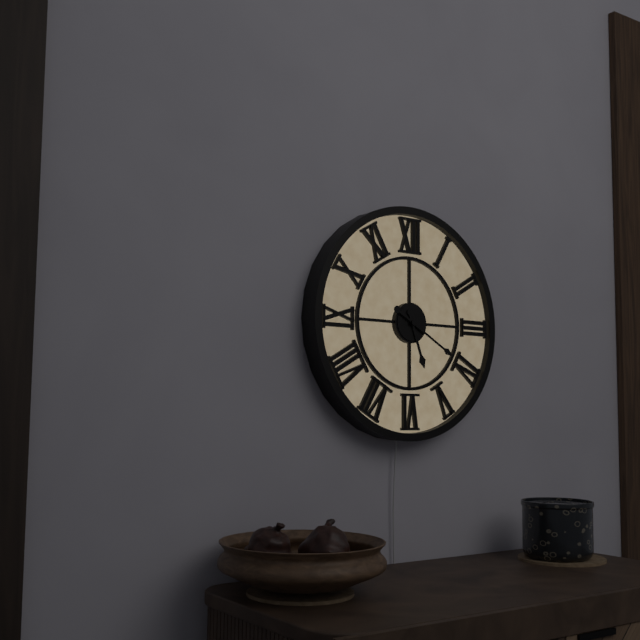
5:20
